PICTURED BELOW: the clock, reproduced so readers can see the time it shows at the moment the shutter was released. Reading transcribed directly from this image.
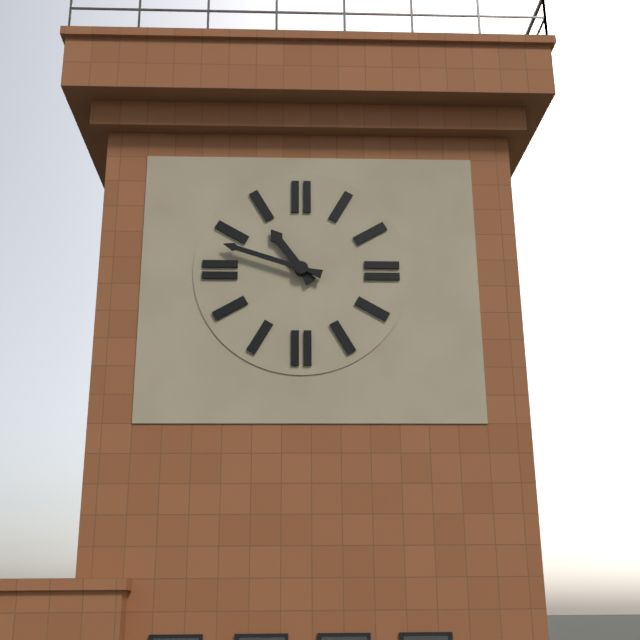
10:48
